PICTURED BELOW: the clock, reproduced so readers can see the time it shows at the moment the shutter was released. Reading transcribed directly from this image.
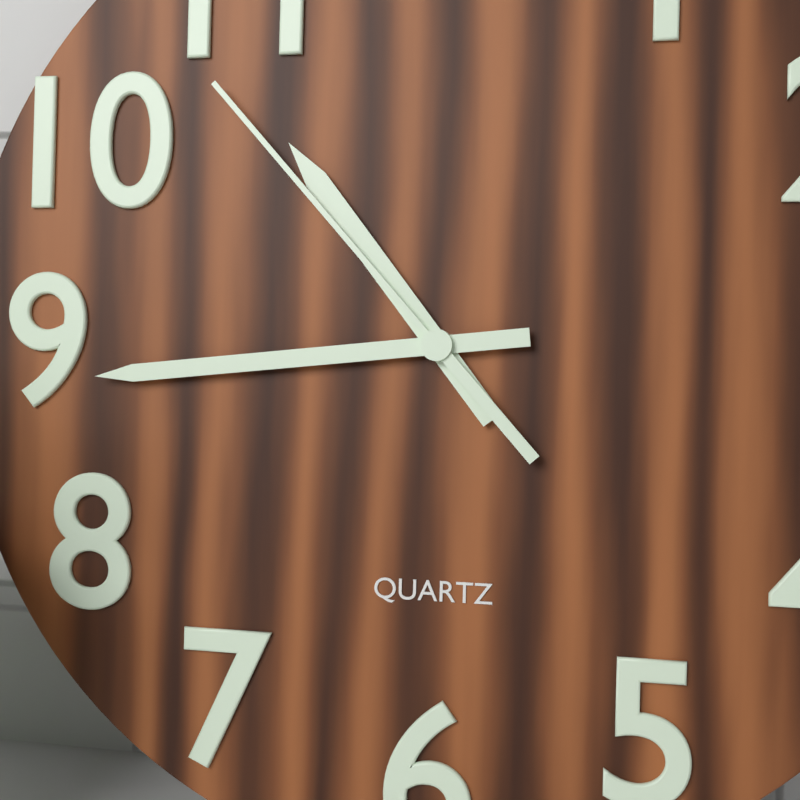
10:44:53
